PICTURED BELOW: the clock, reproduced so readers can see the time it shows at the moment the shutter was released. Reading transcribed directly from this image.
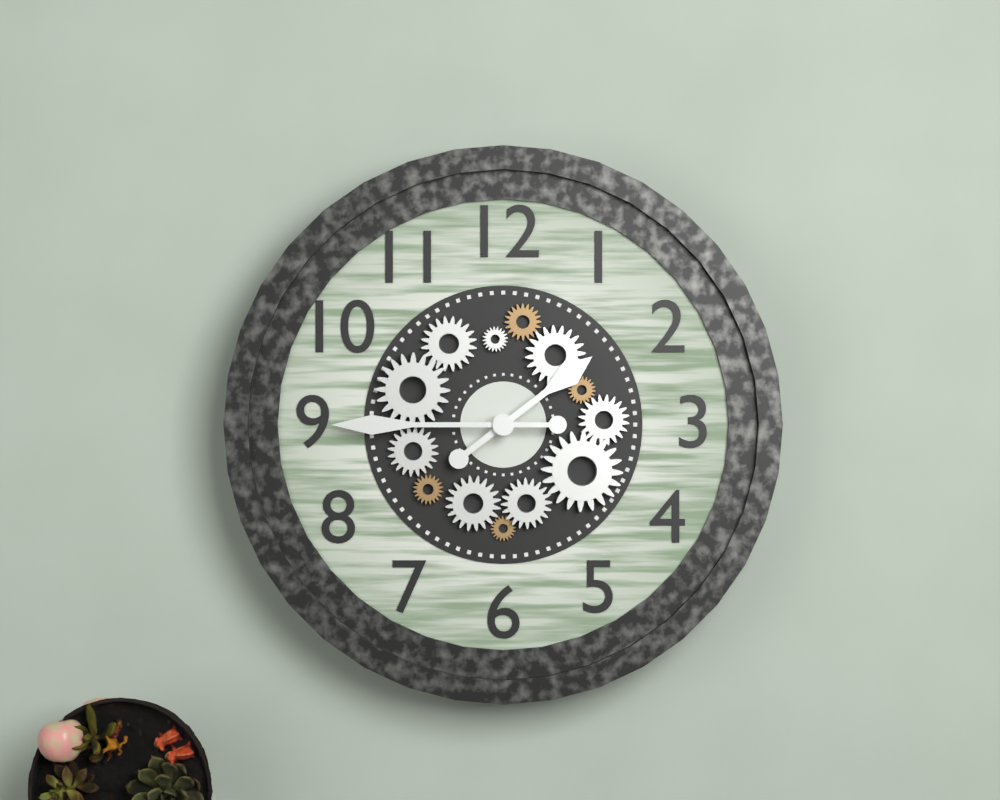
1:45
